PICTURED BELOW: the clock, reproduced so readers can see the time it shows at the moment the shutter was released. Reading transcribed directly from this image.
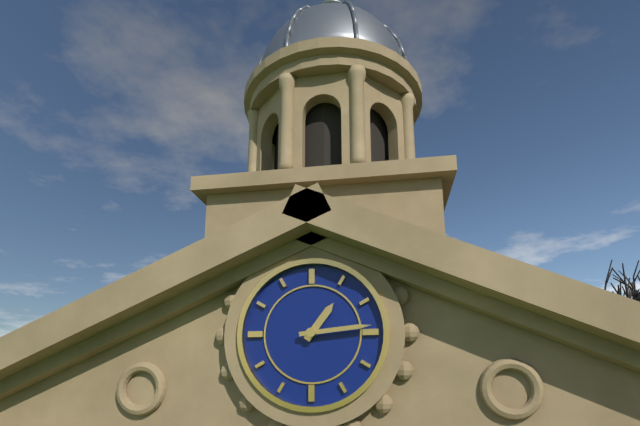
1:14
